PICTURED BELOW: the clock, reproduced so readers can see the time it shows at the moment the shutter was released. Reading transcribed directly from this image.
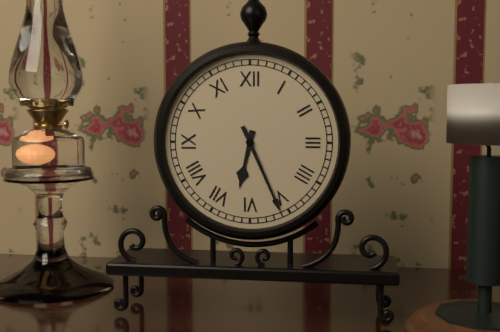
6:26
